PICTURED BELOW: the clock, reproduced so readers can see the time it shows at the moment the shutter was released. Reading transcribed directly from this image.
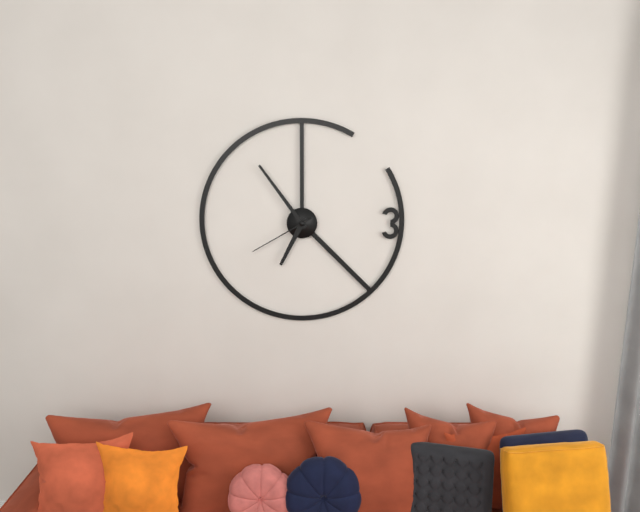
6:54:40
